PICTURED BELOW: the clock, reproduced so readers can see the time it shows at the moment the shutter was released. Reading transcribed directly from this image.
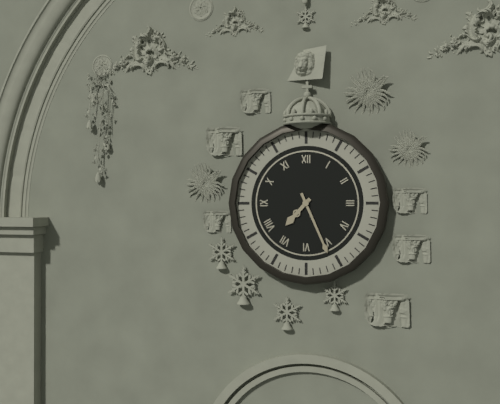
7:26
